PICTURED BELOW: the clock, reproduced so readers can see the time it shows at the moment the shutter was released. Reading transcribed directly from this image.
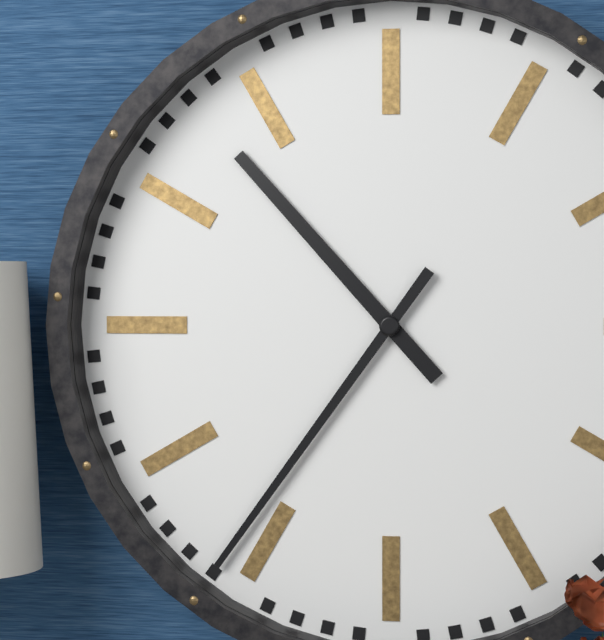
10:36
